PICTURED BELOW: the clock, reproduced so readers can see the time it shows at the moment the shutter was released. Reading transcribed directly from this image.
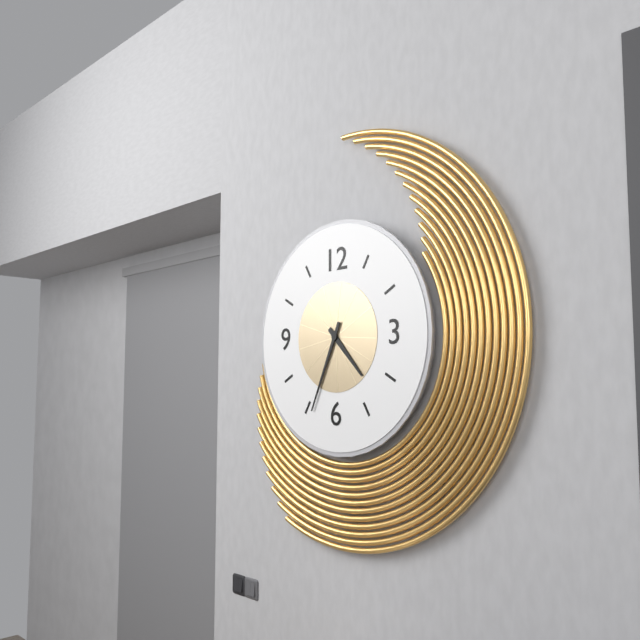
4:34
